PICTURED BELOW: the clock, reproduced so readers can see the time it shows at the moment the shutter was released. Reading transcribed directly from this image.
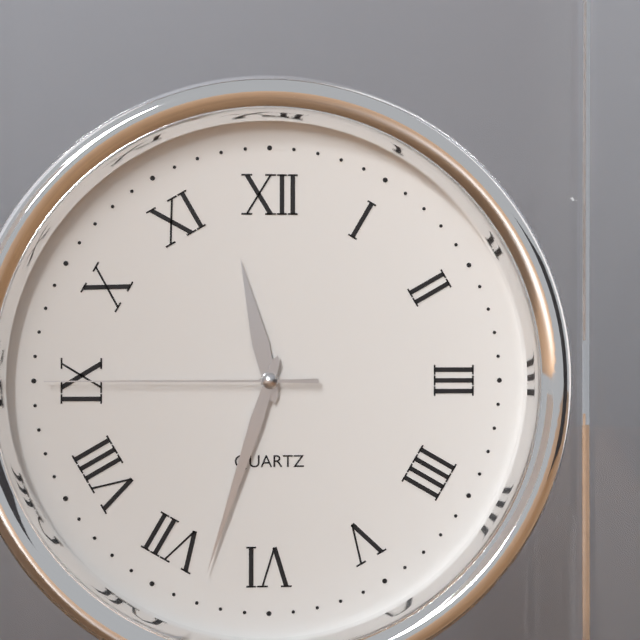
11:33:45
